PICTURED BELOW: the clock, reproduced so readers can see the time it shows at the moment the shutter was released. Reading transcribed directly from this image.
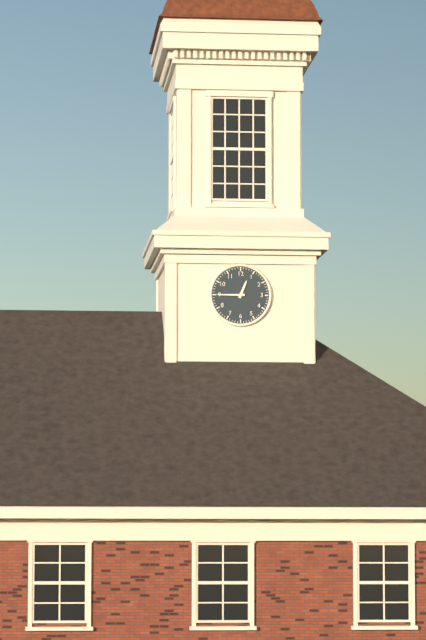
12:45
